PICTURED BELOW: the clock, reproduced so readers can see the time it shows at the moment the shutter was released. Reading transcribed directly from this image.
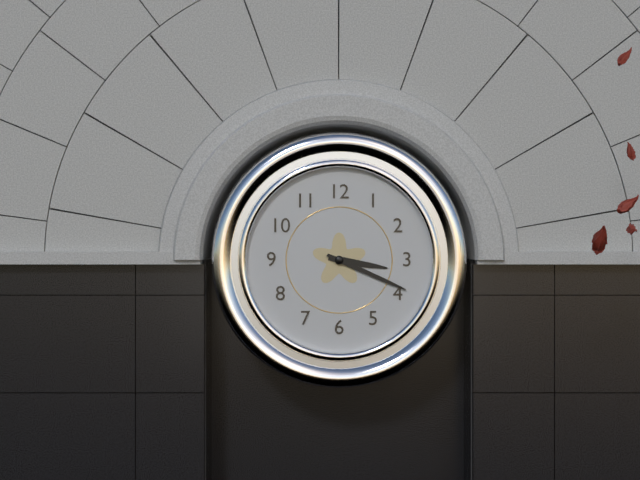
3:19
